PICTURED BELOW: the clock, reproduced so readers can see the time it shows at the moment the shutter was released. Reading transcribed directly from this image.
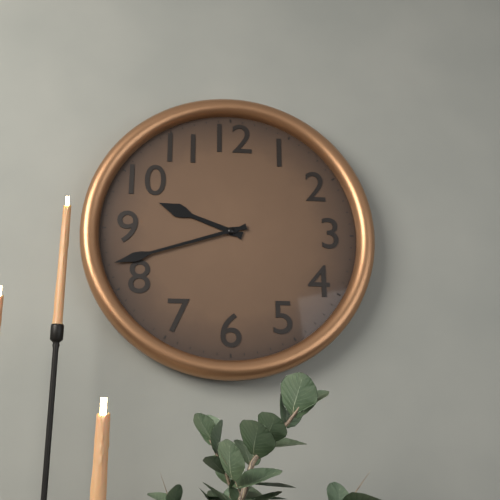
9:42
